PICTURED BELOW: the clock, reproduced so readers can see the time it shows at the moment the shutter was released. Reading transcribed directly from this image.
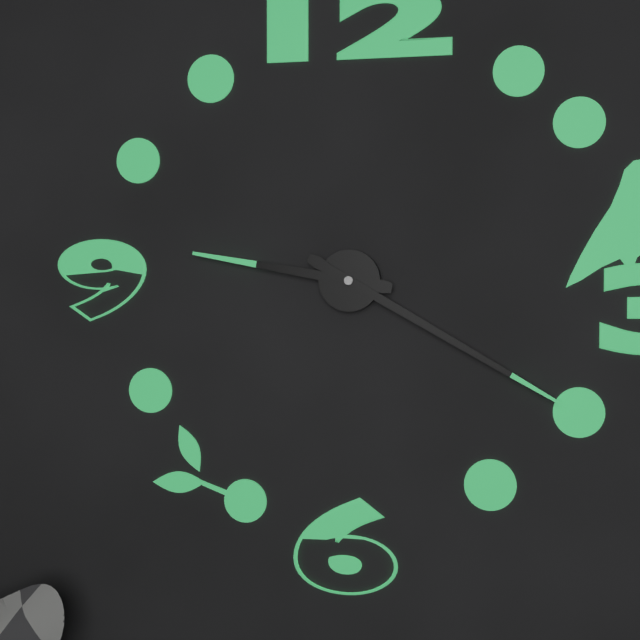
9:20
